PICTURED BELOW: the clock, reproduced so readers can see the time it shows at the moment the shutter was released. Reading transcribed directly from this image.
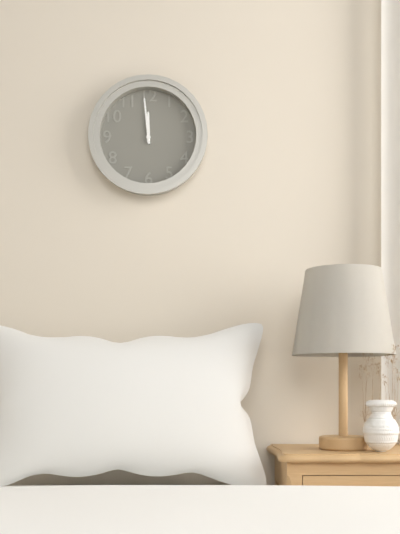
11:59
